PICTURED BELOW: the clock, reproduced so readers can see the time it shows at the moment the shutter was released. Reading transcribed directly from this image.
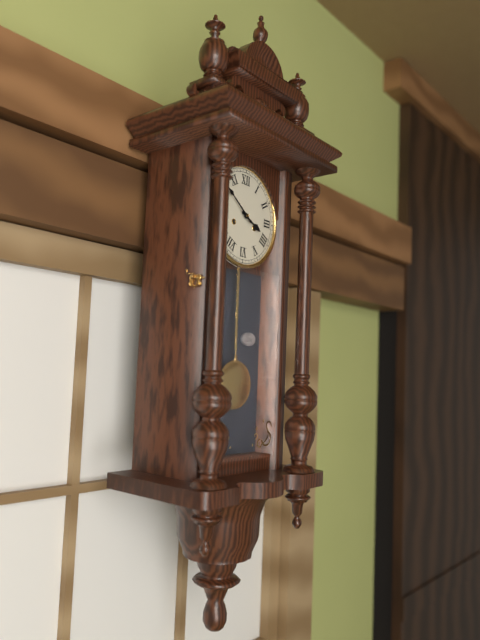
3:51
